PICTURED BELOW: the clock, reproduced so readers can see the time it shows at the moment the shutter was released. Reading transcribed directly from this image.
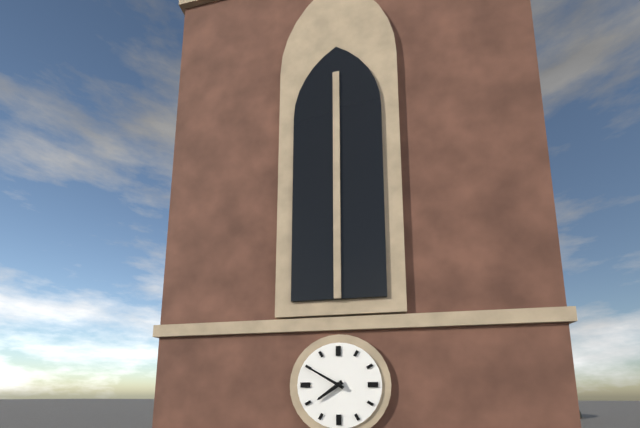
7:50
